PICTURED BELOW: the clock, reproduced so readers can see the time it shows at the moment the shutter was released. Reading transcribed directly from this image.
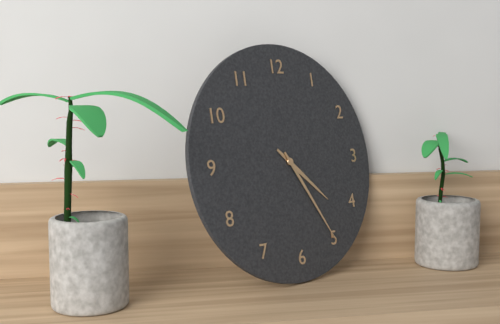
4:25
